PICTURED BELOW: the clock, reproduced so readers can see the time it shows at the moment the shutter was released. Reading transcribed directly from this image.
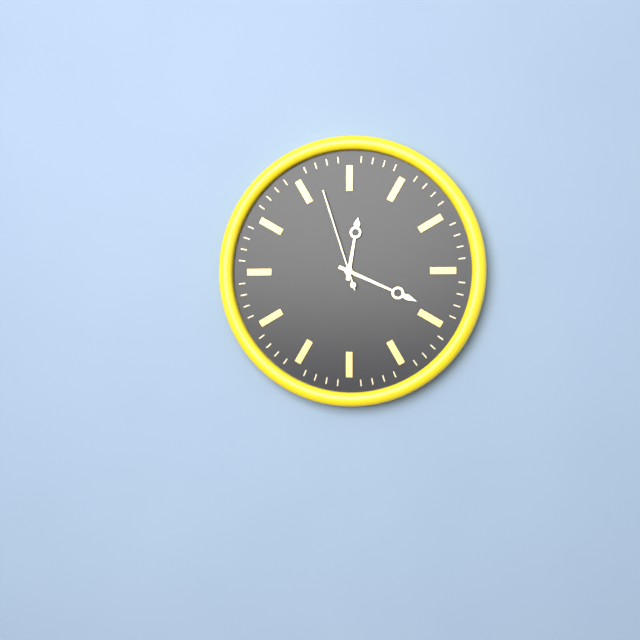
12:19:57
